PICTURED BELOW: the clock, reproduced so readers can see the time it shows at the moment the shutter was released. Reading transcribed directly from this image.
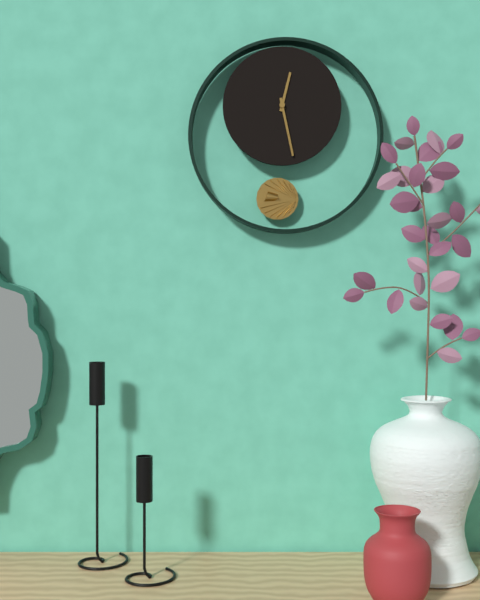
12:28
